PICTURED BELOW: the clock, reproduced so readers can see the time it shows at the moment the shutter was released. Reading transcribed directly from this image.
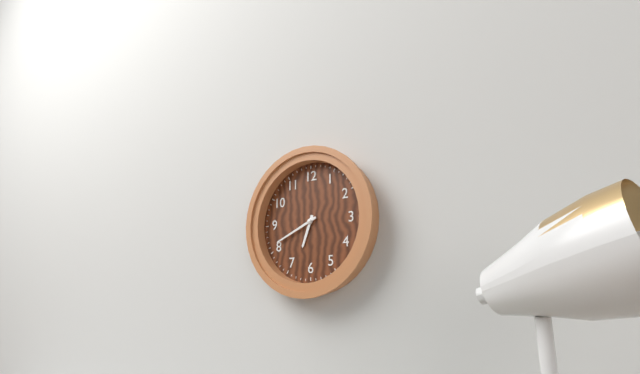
6:41
